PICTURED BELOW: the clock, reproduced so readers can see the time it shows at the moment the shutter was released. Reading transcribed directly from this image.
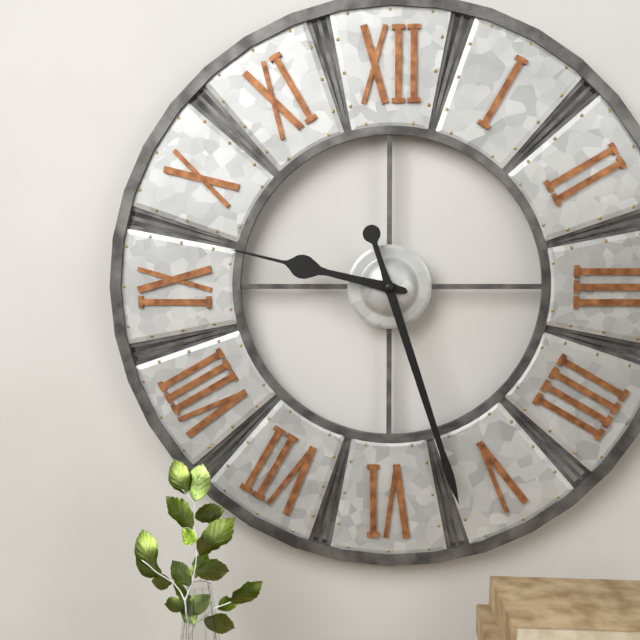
9:27
